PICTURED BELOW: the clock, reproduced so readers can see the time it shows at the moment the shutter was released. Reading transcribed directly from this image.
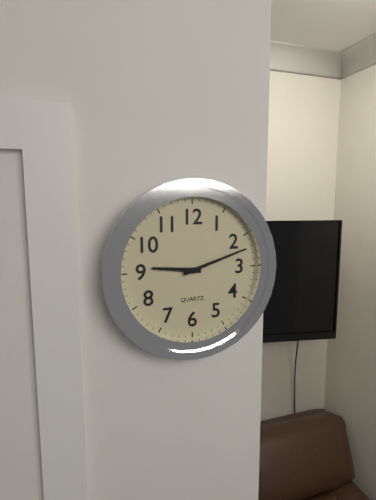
9:12
